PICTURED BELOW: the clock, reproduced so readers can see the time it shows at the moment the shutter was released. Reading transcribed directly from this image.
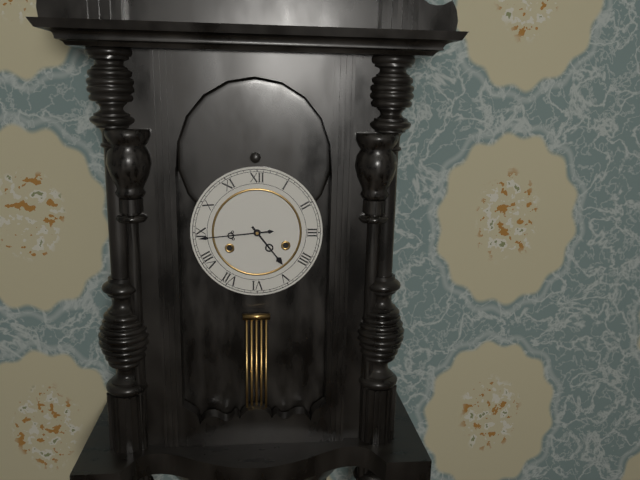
4:44
